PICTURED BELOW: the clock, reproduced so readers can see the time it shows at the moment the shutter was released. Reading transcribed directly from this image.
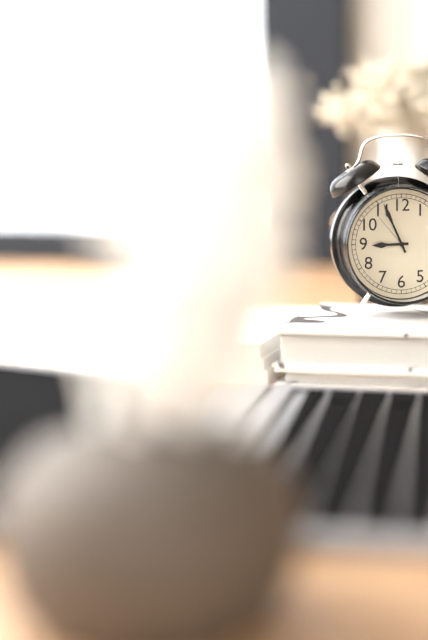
8:56
